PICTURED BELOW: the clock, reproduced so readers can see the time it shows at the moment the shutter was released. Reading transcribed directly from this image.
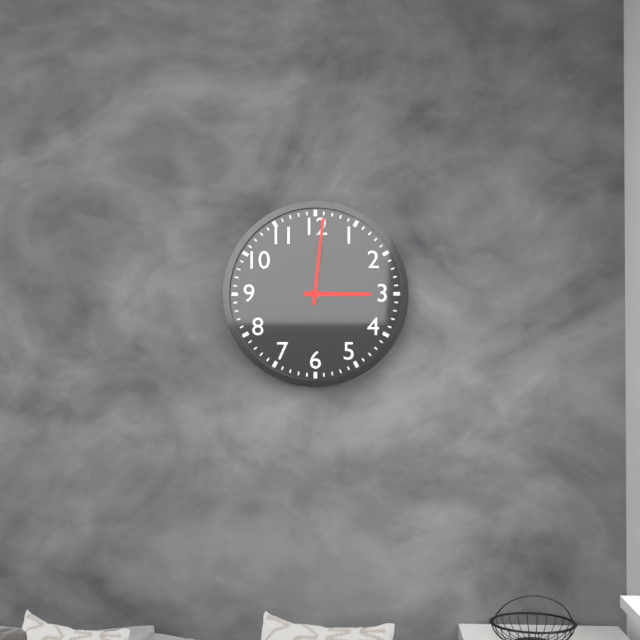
3:01
